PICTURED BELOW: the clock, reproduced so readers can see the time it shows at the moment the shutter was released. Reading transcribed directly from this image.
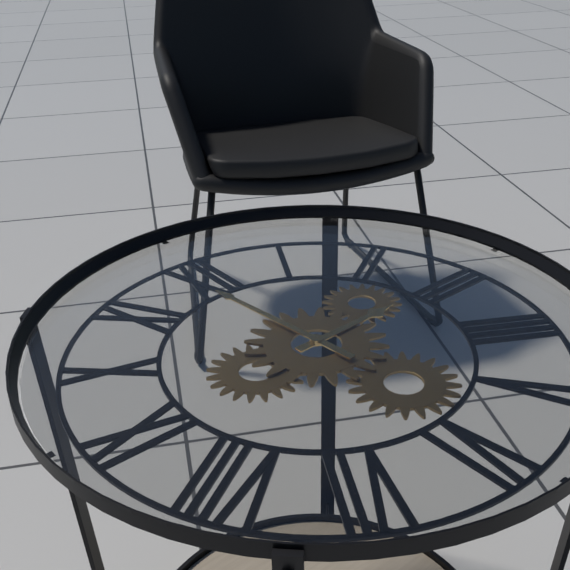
2:59
